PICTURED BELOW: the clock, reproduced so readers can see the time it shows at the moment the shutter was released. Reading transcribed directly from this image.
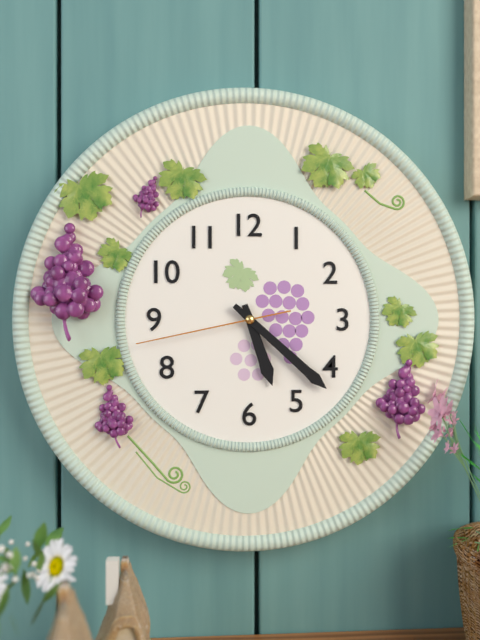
5:22:43
